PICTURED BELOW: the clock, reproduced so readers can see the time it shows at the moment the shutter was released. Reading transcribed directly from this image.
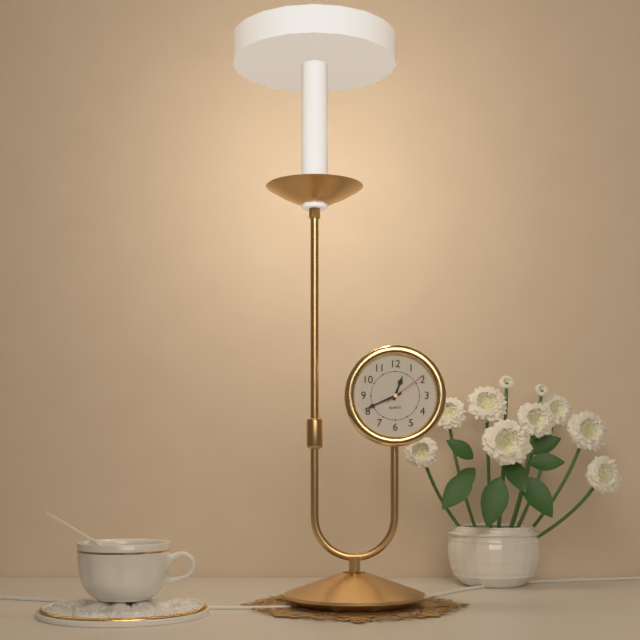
12:41
